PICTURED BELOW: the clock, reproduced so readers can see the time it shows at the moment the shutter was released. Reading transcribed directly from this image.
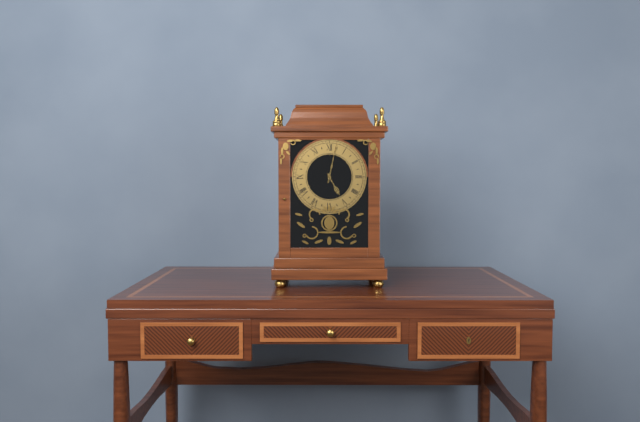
5:02
